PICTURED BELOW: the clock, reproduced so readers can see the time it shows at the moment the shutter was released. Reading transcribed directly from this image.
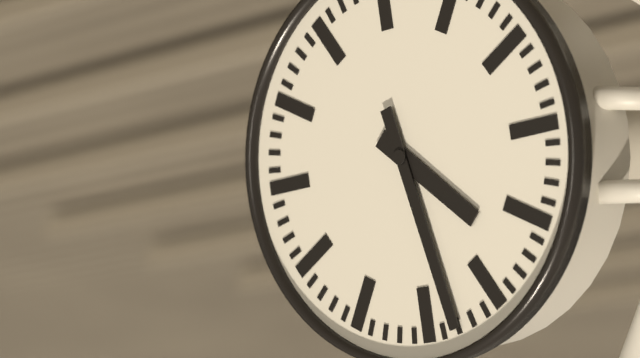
4:28
